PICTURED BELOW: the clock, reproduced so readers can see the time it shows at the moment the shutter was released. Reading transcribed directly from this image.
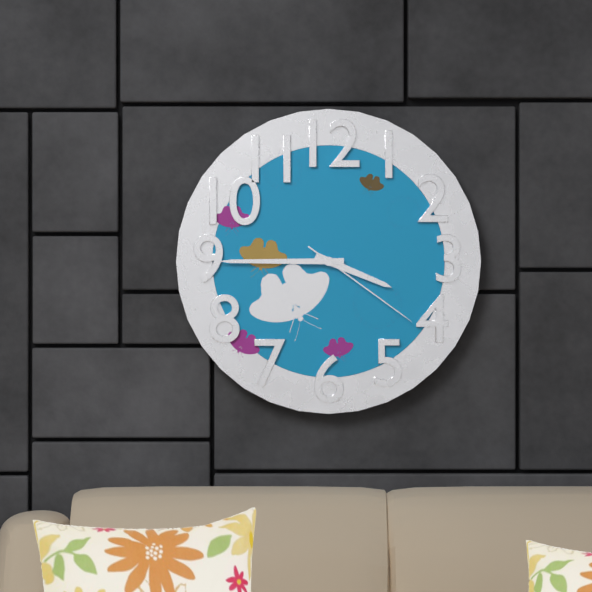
3:45:21
